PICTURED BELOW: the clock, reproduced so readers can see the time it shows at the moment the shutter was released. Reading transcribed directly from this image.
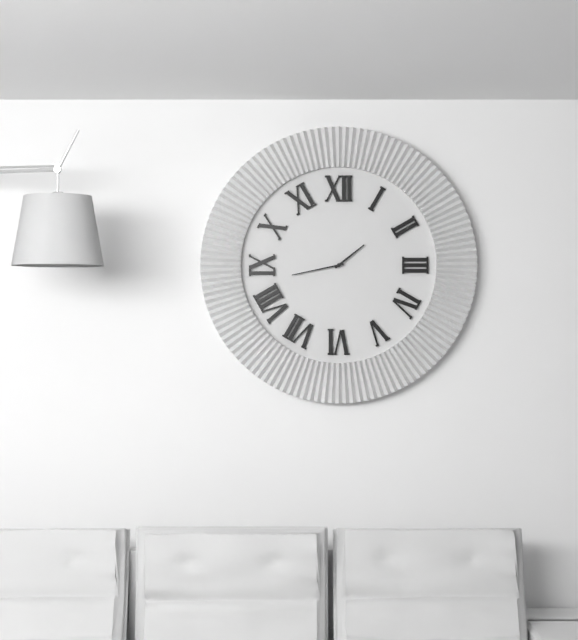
1:43
